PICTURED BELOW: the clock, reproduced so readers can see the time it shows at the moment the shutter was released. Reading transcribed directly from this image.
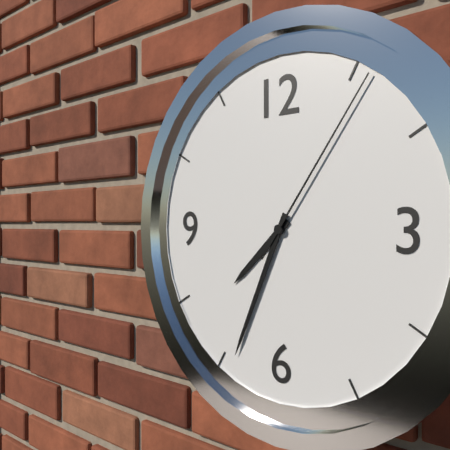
7:34:06
